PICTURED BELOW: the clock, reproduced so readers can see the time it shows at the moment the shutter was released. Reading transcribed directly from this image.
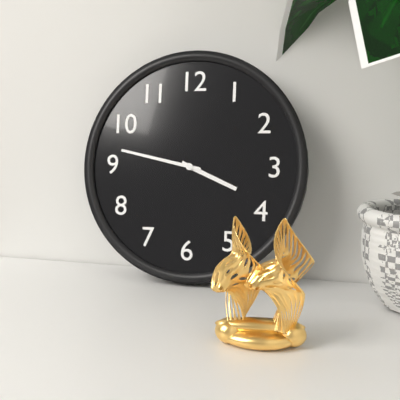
3:47
